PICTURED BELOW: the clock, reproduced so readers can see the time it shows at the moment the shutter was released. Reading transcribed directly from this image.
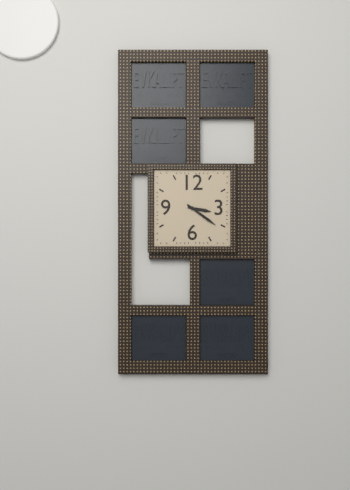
3:21
